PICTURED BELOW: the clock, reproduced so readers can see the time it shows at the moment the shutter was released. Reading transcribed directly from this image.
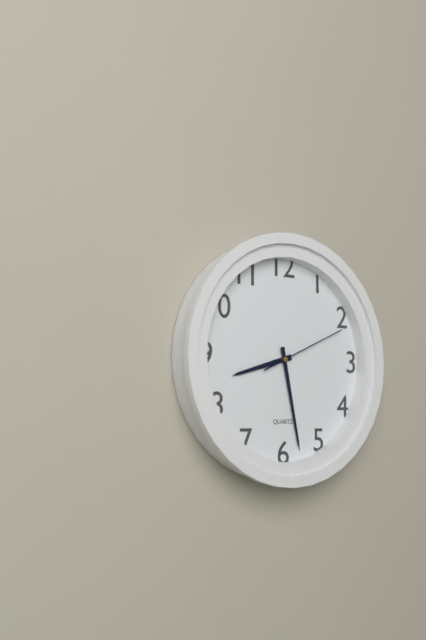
8:28:11
